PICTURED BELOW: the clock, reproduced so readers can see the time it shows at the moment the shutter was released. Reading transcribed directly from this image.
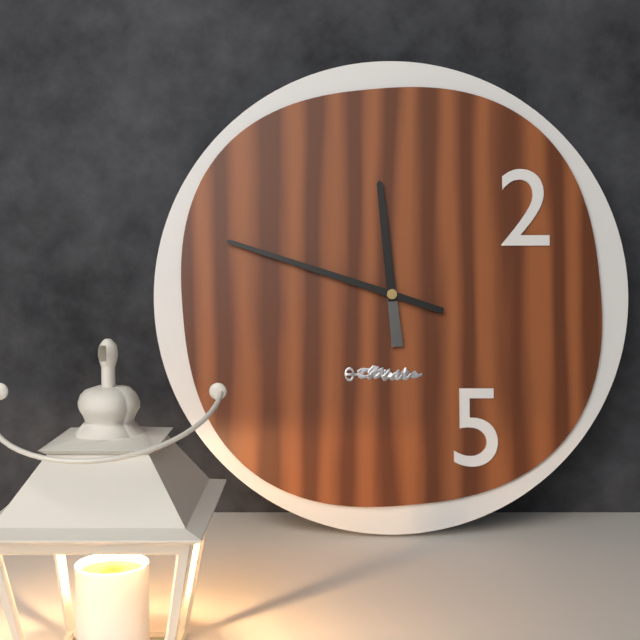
11:48
